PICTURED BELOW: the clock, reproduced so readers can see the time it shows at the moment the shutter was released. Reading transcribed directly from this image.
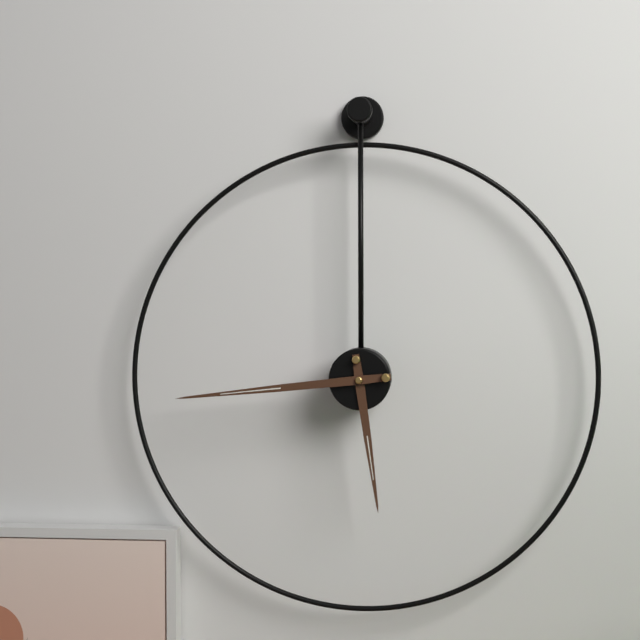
5:44
